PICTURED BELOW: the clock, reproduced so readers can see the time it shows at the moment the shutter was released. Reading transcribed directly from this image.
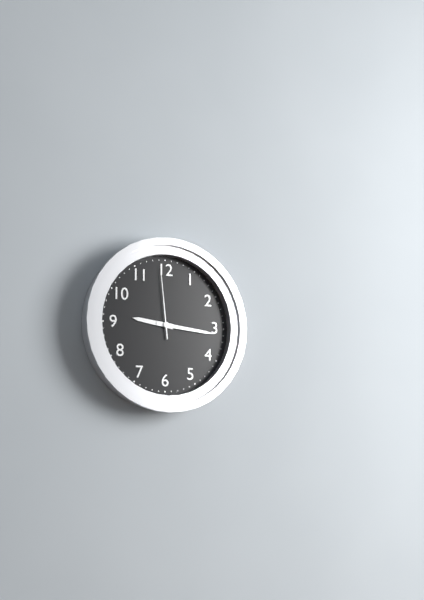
9:16:59
